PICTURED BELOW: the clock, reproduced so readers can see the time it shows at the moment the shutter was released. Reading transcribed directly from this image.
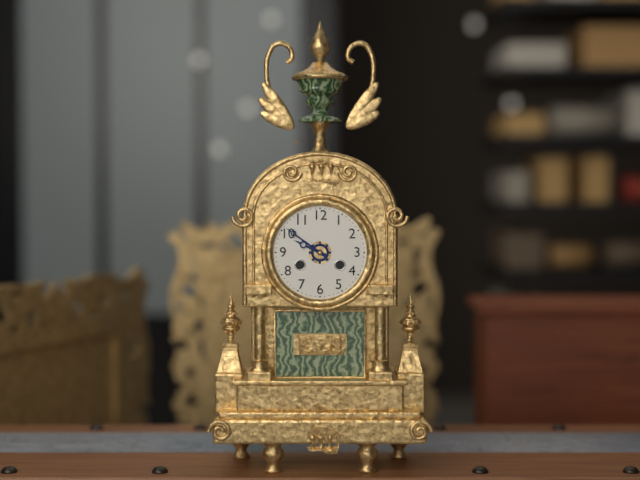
9:51
